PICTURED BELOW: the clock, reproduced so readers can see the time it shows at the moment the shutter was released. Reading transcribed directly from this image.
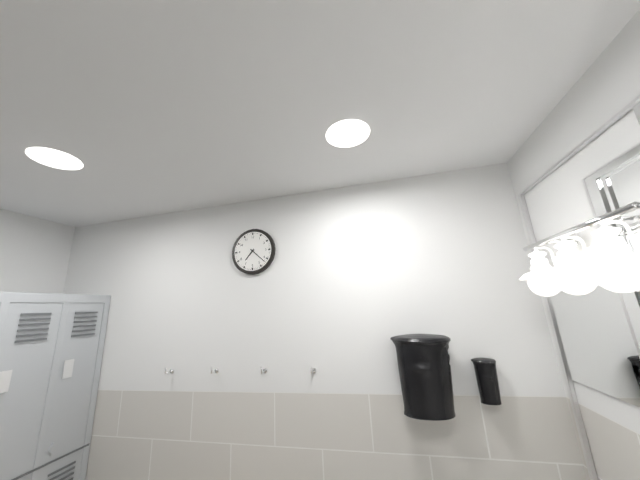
7:22
